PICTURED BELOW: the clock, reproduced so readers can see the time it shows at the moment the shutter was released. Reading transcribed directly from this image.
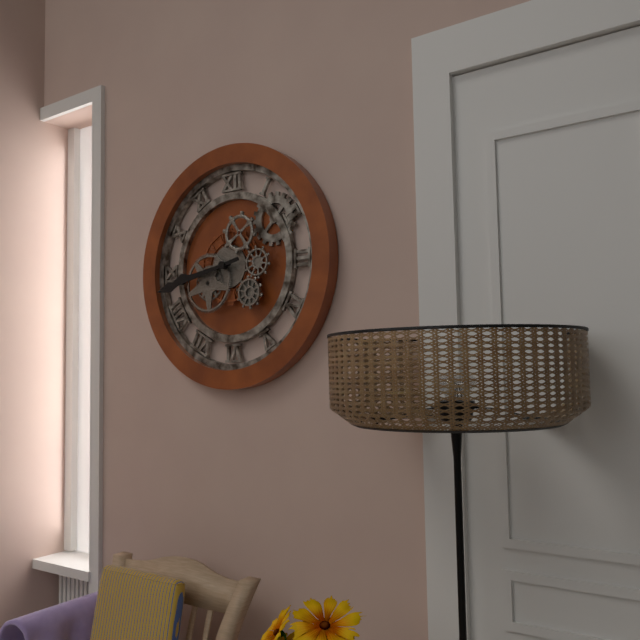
8:43
